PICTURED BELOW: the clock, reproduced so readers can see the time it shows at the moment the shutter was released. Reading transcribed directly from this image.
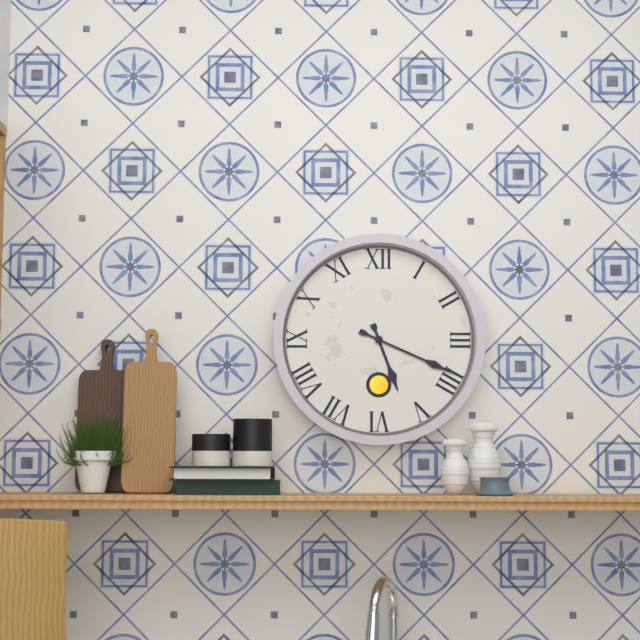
5:19
